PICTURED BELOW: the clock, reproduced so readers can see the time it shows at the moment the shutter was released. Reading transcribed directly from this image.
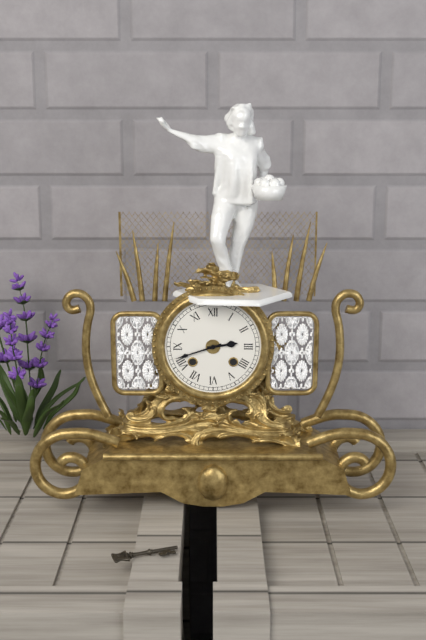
2:42
